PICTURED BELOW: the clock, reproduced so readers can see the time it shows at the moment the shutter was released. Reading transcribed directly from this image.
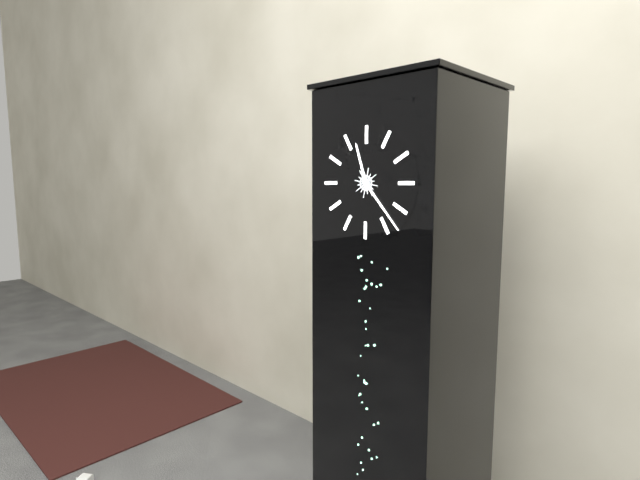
11:23
